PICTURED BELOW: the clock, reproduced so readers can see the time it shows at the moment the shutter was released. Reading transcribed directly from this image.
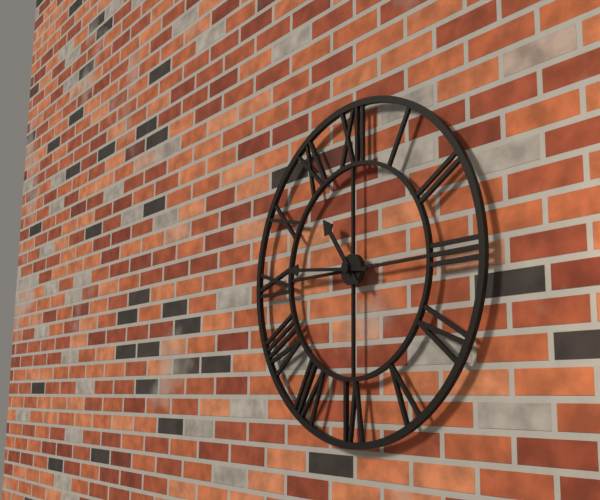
10:46
